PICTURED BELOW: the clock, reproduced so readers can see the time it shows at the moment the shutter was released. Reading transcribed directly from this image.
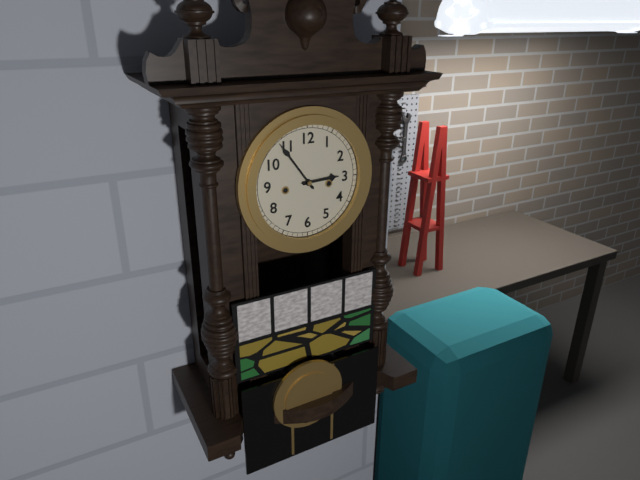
2:54
